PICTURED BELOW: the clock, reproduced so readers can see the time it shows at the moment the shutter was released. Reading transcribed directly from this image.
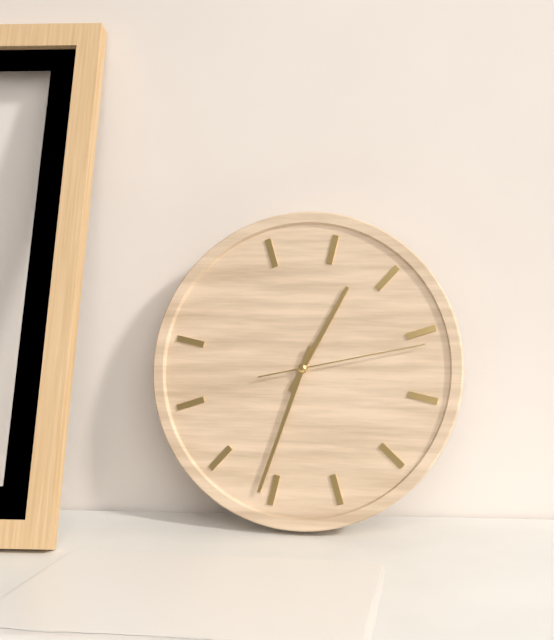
12:31:11
